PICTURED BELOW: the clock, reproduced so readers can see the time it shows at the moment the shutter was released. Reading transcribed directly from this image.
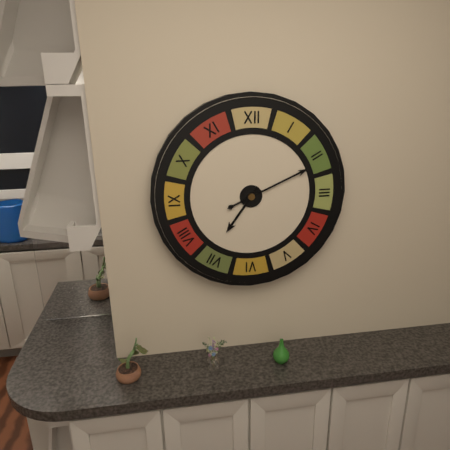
7:11
